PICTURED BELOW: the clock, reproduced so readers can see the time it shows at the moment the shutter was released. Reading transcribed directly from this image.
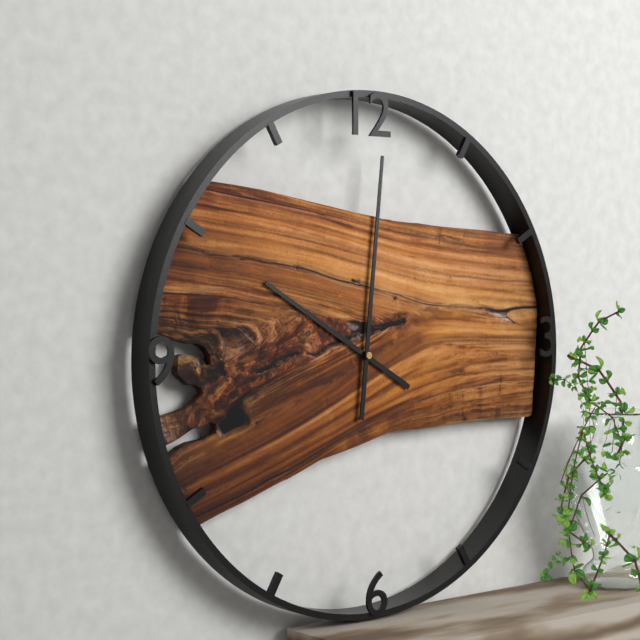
10:01
